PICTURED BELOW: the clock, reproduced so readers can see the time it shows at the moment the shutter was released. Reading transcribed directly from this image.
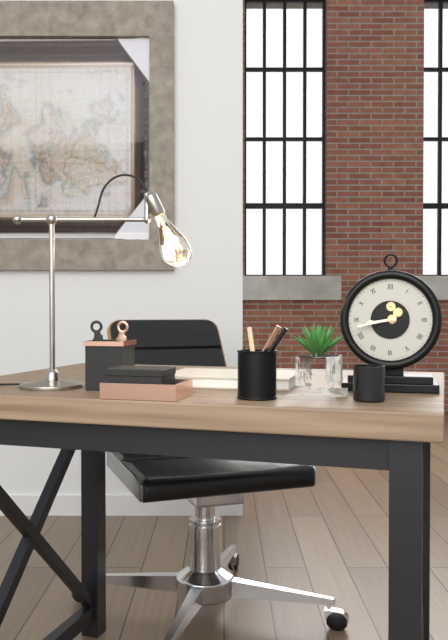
8:43
